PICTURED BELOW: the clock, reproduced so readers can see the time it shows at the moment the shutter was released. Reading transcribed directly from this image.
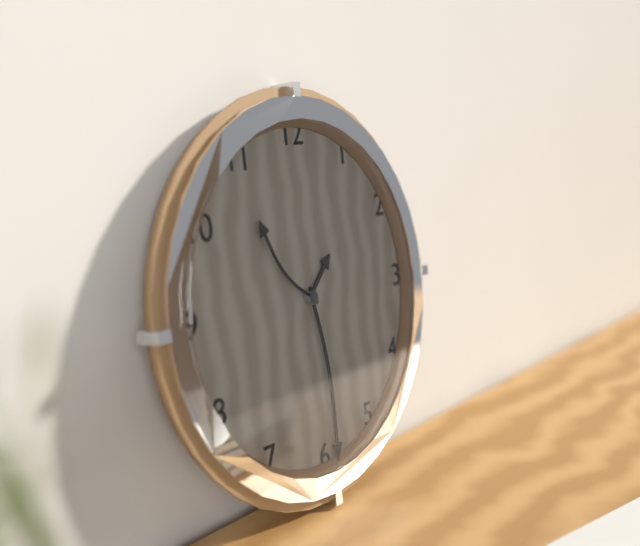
1:29:53
